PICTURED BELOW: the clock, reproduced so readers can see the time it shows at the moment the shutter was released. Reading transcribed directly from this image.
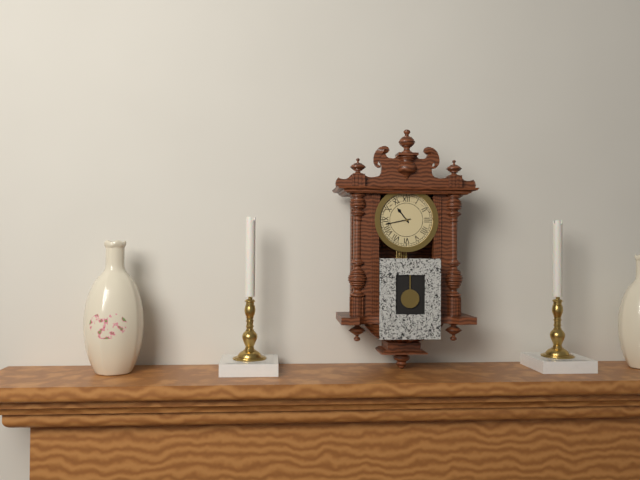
10:43
